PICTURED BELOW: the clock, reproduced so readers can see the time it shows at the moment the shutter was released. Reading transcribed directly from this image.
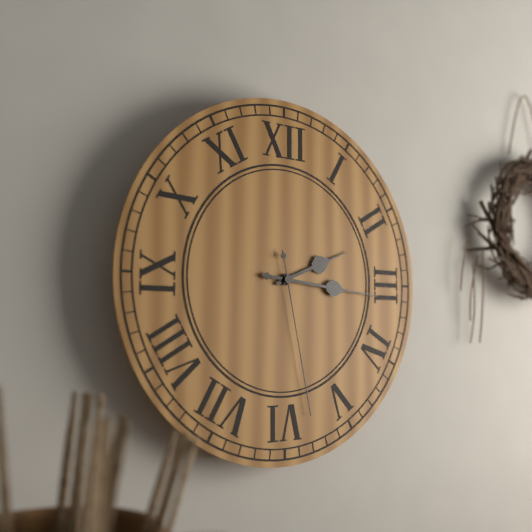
2:16:28
